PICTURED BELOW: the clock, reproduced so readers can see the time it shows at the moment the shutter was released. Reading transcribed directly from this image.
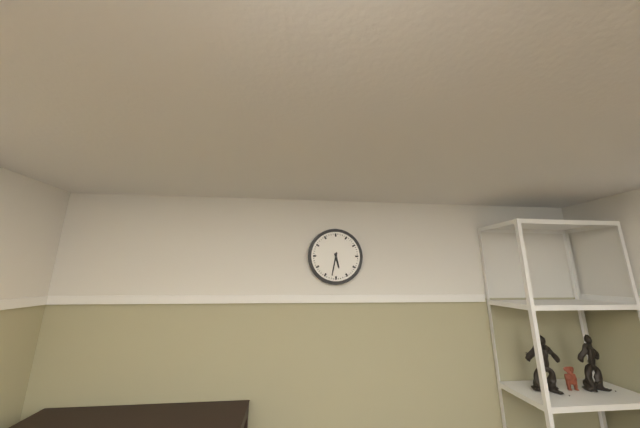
5:32
